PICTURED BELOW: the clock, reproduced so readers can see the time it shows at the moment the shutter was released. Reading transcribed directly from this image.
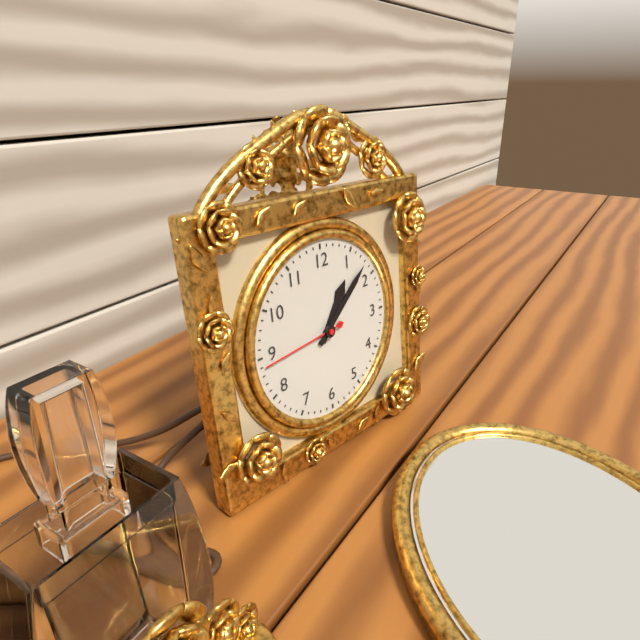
1:08:44
